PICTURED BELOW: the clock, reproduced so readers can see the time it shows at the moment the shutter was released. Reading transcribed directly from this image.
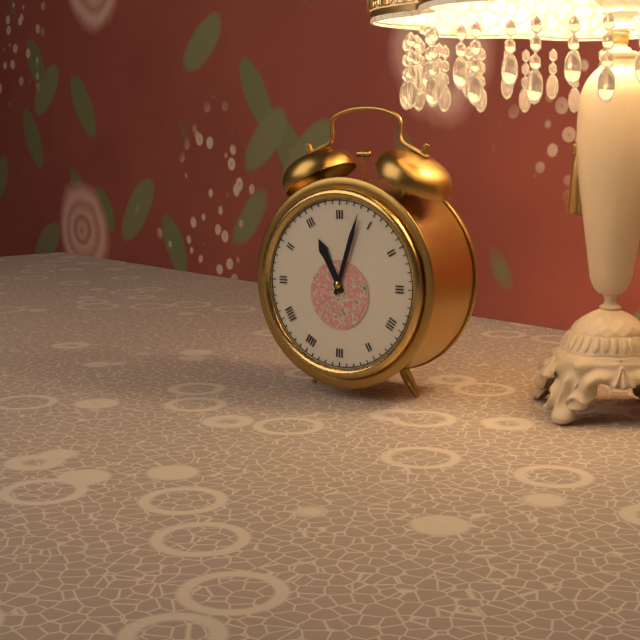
11:03
